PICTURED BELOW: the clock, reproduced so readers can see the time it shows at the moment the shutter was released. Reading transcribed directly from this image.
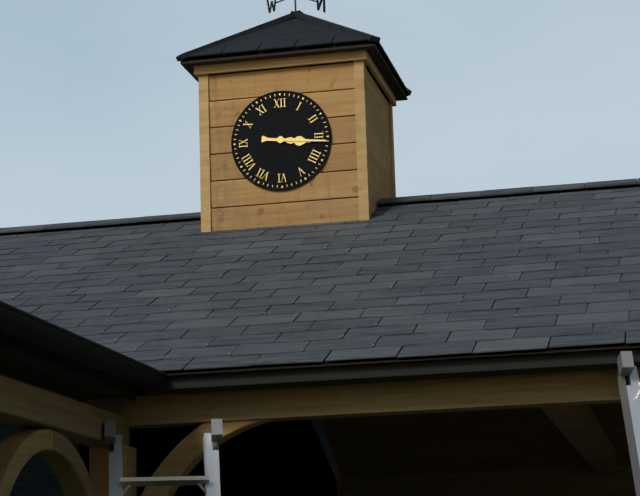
3:16
